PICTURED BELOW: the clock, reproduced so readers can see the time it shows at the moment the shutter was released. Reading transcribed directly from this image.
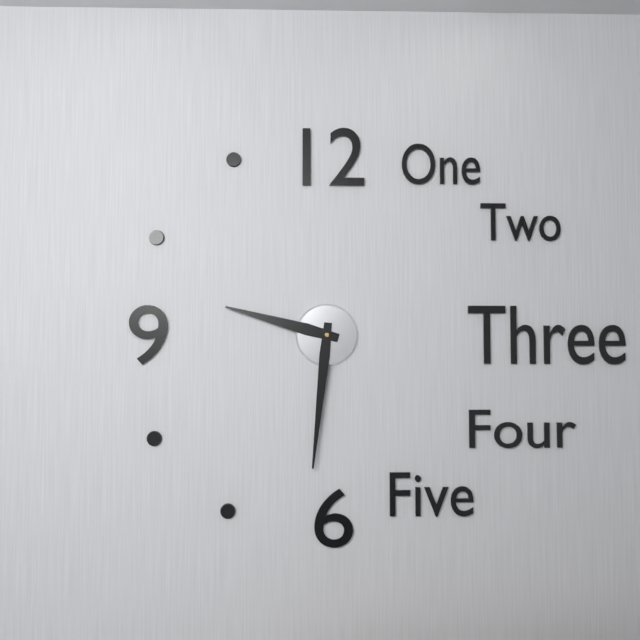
9:31
